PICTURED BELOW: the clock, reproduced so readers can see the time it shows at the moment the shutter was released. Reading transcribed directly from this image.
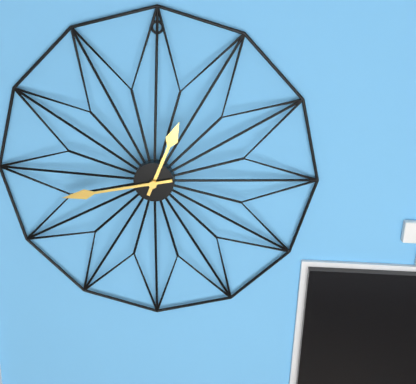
12:43
